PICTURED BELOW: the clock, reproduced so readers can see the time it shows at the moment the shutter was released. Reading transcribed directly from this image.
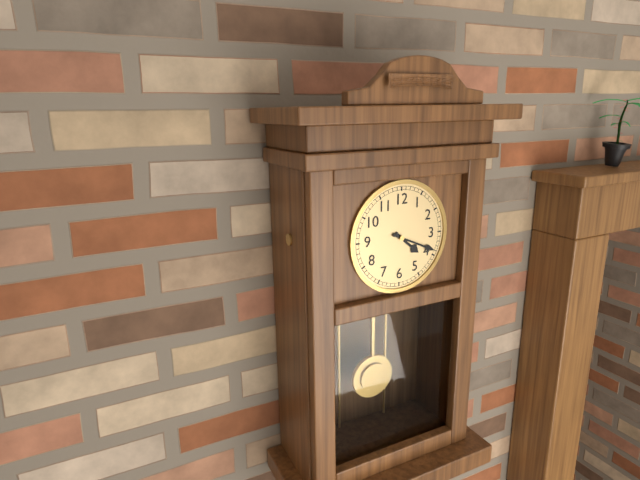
4:19
